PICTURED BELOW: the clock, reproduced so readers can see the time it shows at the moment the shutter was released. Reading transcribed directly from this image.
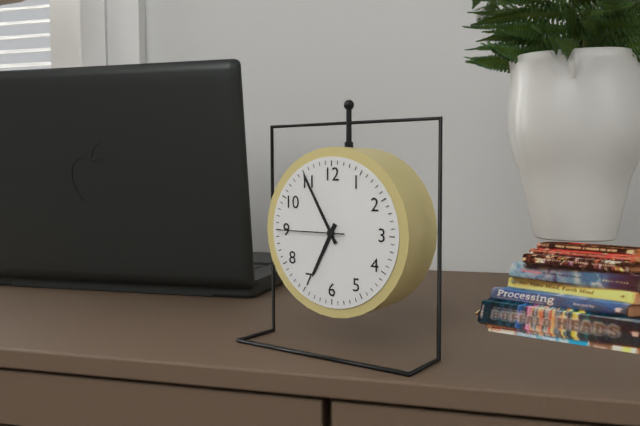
6:55:45
